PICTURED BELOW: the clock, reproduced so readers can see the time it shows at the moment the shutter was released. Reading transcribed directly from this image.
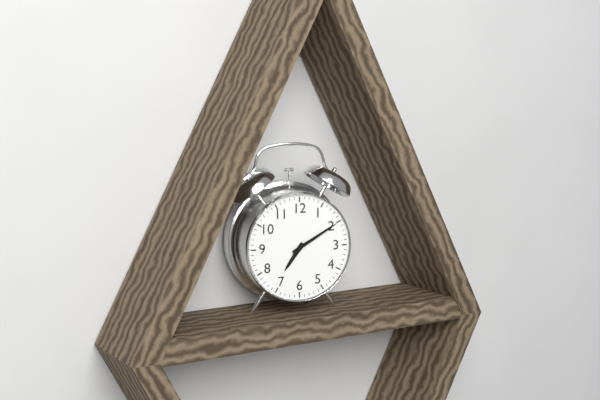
7:10
